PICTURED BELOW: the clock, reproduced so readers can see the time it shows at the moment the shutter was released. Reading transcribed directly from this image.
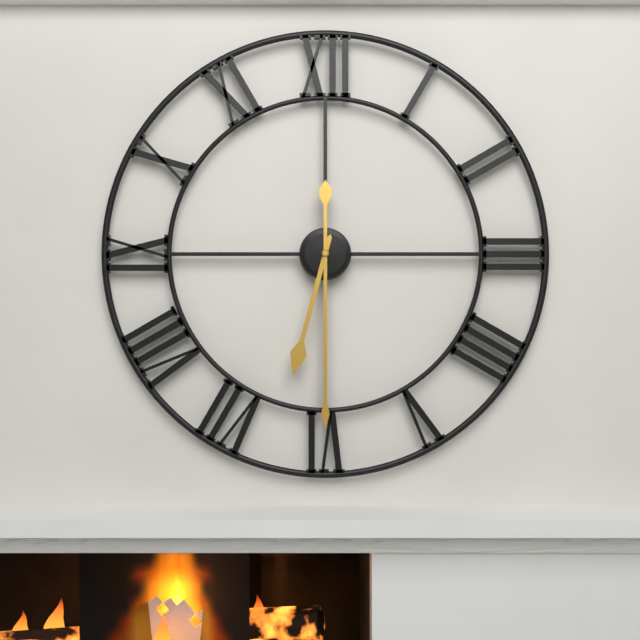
6:30
